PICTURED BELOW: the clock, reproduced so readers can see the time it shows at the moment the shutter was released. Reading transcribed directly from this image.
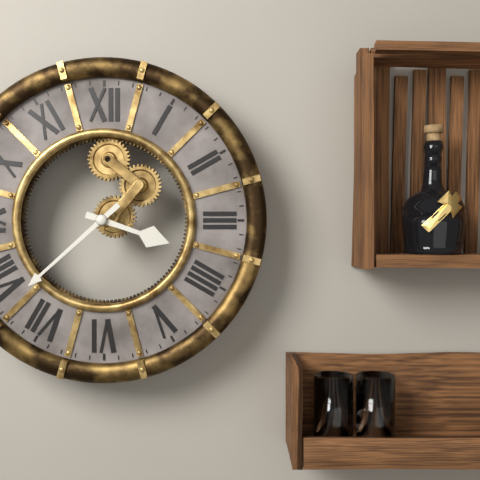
3:38
